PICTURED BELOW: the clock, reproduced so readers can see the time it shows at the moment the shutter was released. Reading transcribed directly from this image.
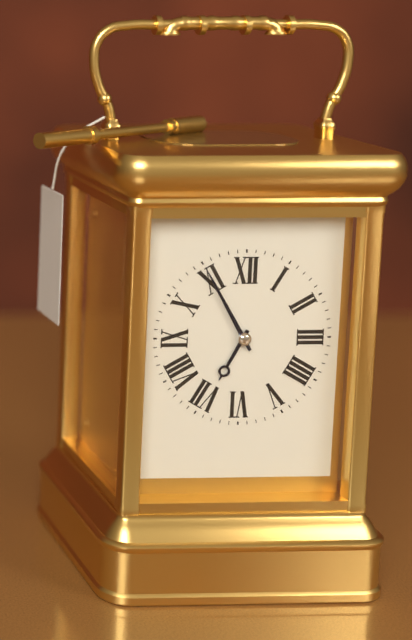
6:55
